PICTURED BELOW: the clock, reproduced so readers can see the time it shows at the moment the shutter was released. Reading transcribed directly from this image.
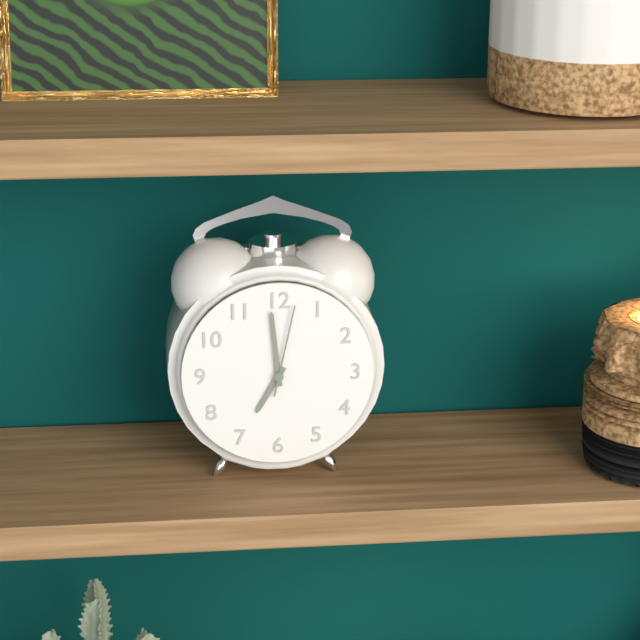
6:59:02
